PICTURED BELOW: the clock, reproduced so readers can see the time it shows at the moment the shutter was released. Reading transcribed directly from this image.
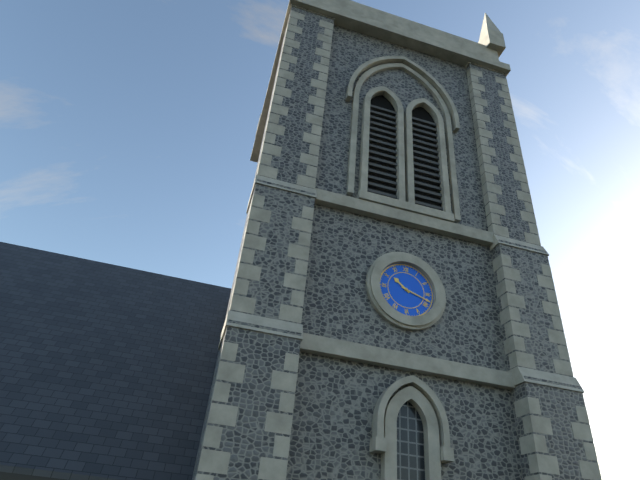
10:18
